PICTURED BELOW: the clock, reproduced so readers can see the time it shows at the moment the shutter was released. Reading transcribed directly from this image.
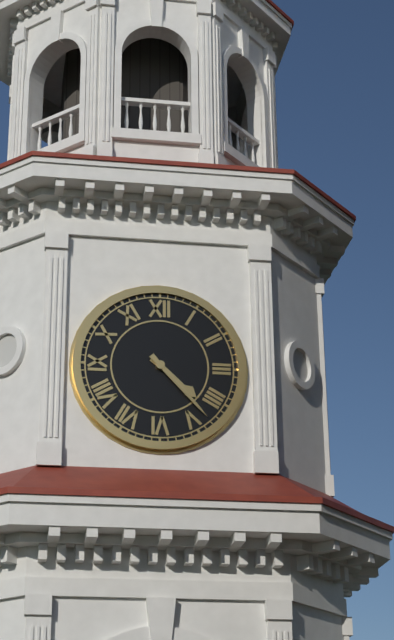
4:23
